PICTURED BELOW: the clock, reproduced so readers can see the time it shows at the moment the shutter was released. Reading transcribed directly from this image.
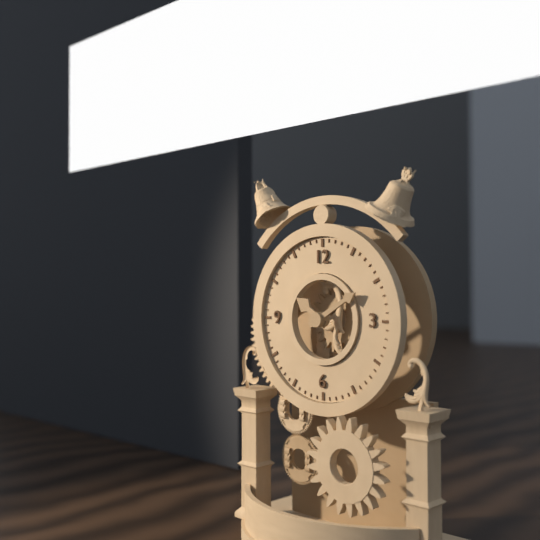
10:10
